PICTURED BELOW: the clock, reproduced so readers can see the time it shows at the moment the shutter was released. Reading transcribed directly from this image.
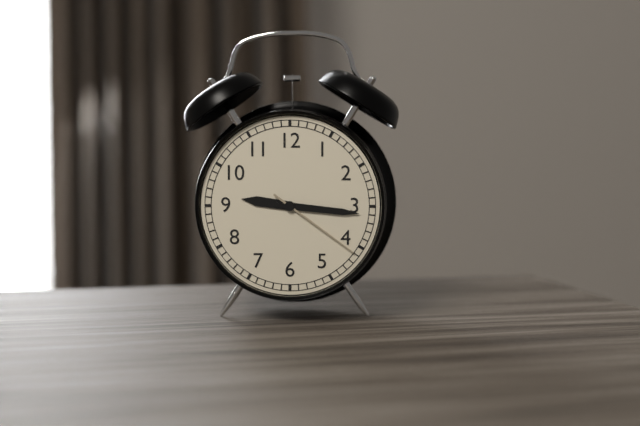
9:16:21
